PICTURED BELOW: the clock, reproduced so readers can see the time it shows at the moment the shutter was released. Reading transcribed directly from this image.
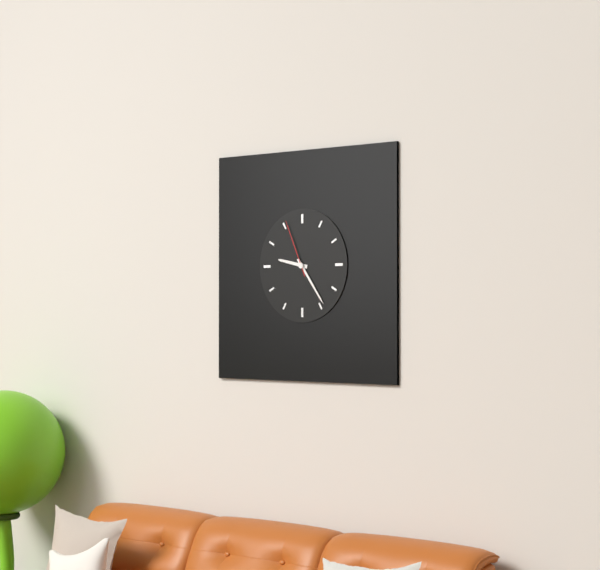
9:24:56
